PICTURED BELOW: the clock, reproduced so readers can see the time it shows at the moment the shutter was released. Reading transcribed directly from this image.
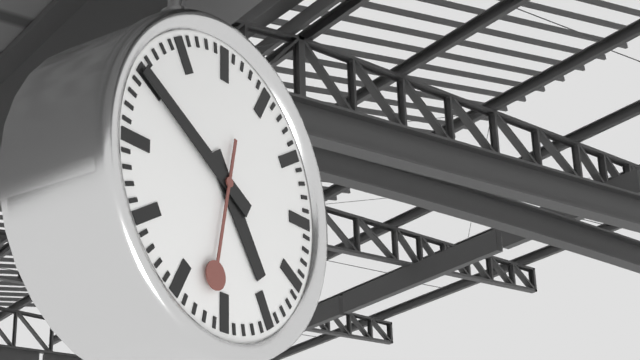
4:50:32
